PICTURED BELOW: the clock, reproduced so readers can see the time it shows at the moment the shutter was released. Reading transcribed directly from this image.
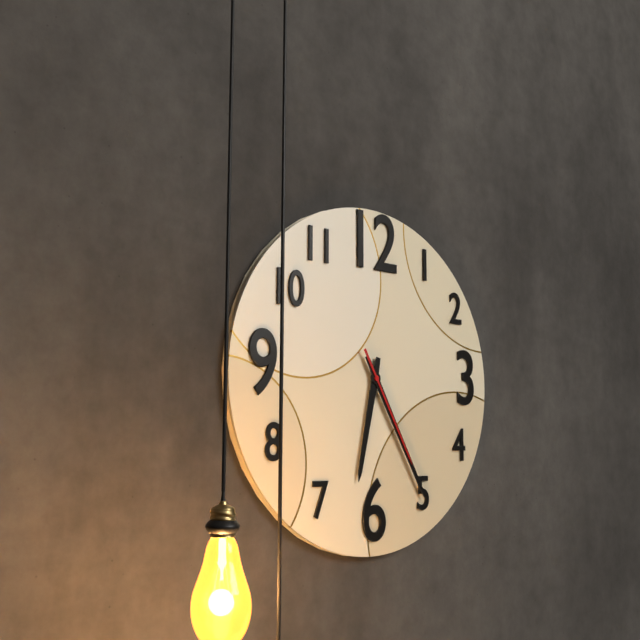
6:25:25
